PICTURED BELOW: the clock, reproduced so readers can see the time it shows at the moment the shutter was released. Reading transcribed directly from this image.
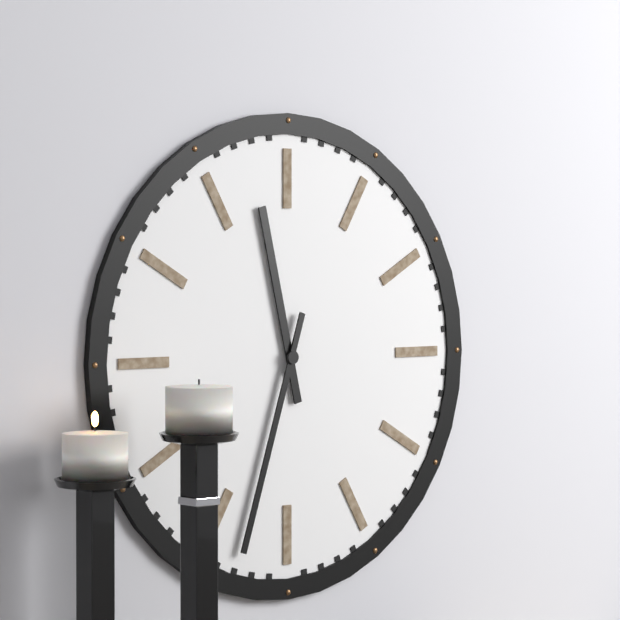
11:33
